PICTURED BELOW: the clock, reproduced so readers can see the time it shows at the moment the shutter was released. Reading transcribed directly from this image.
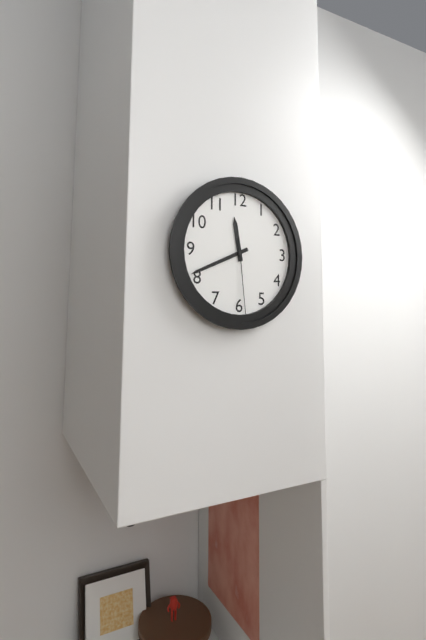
11:41:29
